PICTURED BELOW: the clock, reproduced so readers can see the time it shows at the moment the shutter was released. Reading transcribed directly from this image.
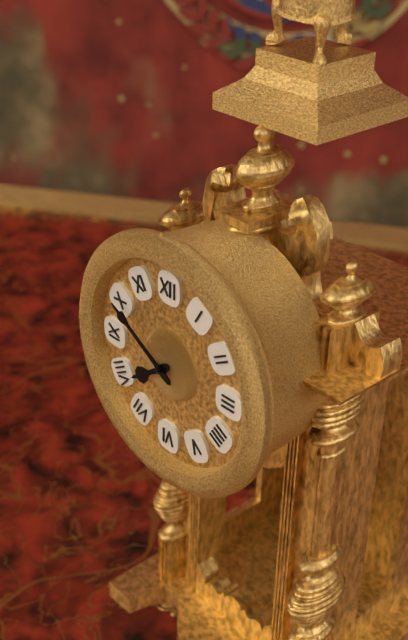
7:50
